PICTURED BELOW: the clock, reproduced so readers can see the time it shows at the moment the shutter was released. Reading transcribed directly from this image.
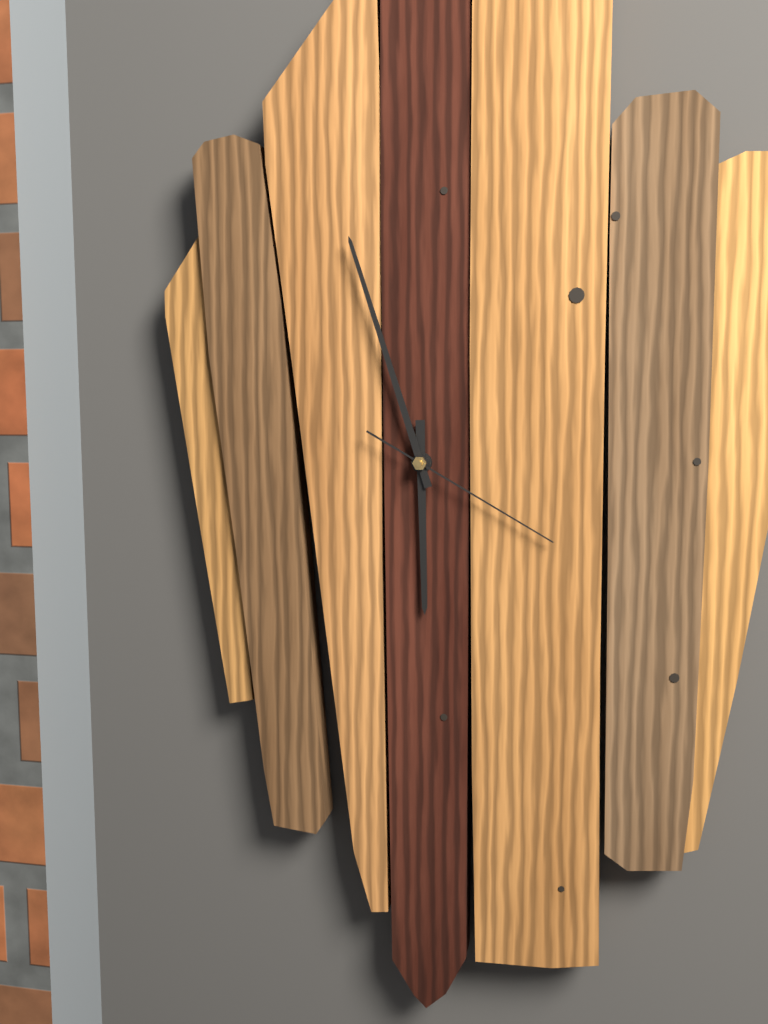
5:57:20
